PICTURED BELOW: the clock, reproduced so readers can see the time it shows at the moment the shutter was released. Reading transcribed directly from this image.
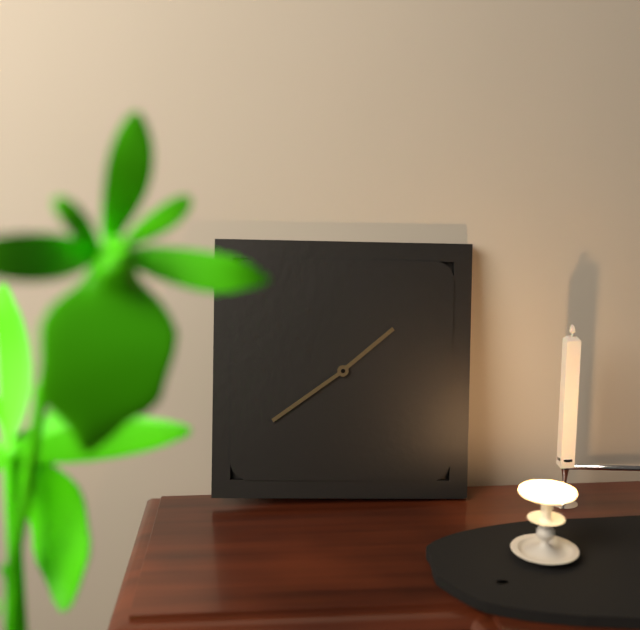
1:39
